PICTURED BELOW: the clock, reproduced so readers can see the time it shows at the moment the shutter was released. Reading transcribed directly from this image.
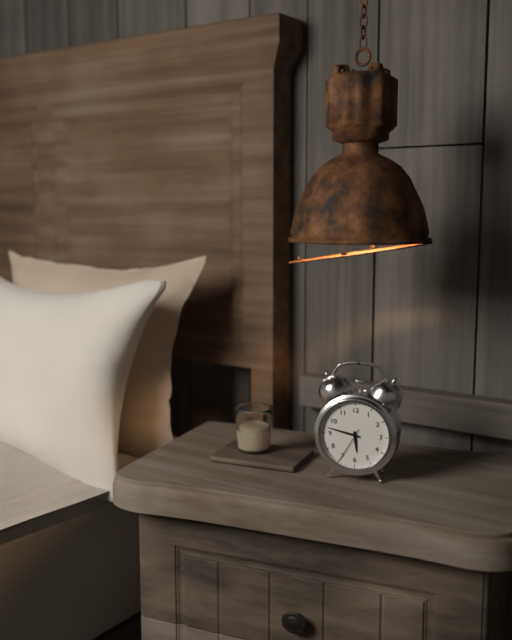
5:47
